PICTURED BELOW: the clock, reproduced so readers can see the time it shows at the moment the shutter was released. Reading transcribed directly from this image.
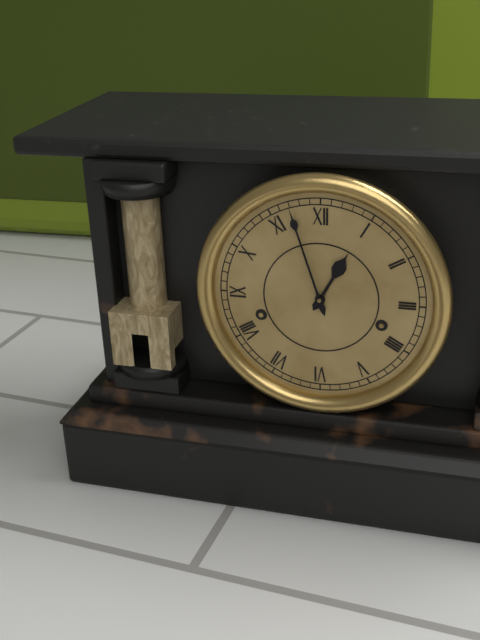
12:57
